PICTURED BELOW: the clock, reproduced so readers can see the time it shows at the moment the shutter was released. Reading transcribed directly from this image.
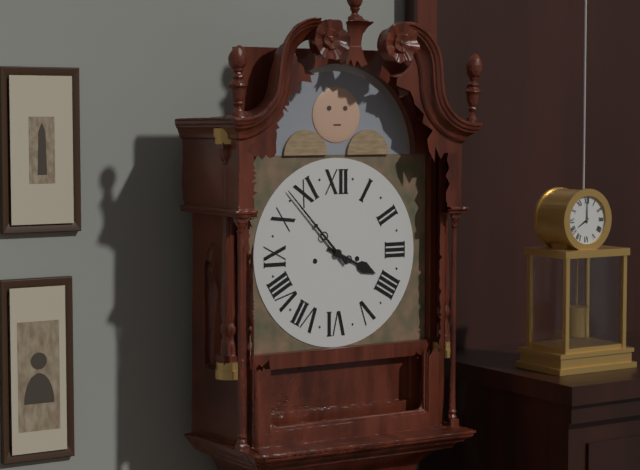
3:53
